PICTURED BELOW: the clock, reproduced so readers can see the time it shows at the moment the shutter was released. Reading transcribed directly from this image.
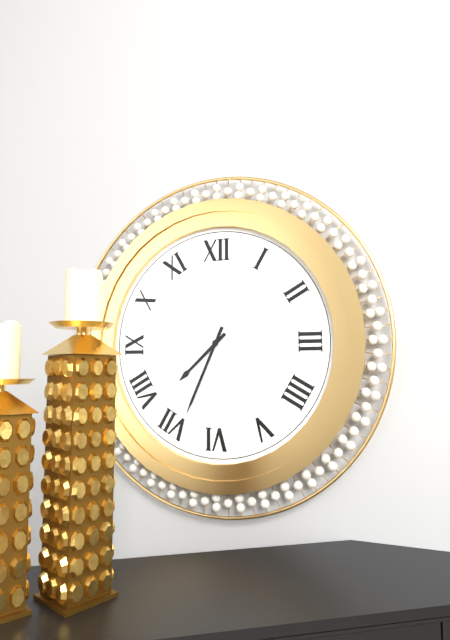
7:34
